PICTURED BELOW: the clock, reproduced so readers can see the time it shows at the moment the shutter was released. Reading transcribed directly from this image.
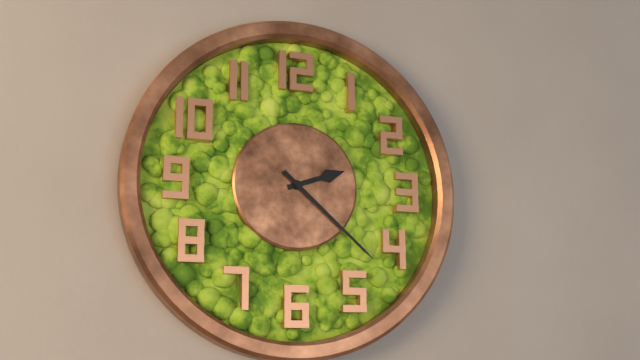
2:22
